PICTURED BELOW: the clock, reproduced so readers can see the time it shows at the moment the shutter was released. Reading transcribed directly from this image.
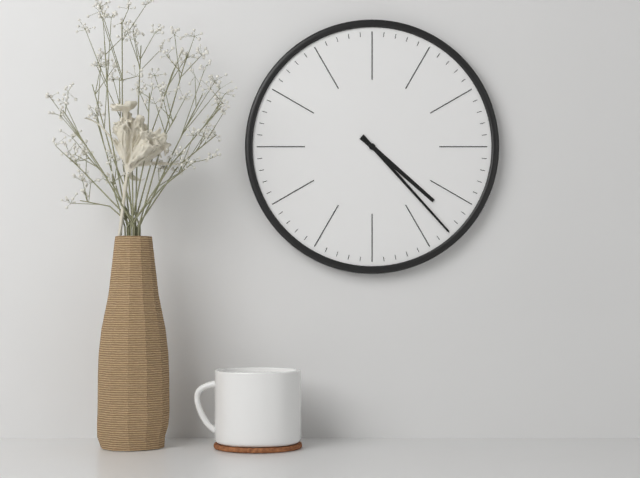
4:23
